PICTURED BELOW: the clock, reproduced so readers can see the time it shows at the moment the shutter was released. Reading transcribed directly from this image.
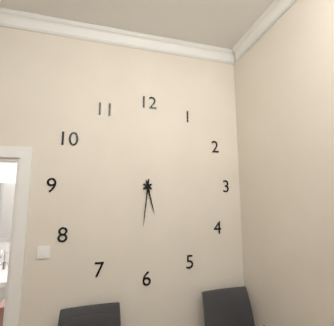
5:31
